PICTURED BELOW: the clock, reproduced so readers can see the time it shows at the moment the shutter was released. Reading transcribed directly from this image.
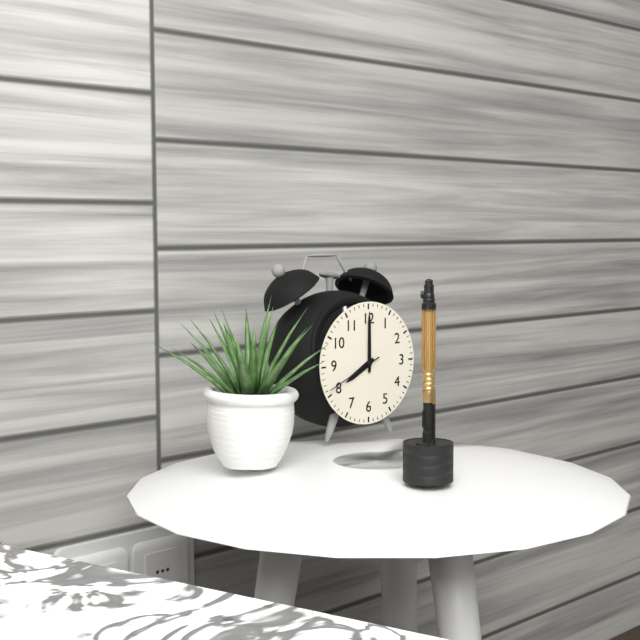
8:00:41
